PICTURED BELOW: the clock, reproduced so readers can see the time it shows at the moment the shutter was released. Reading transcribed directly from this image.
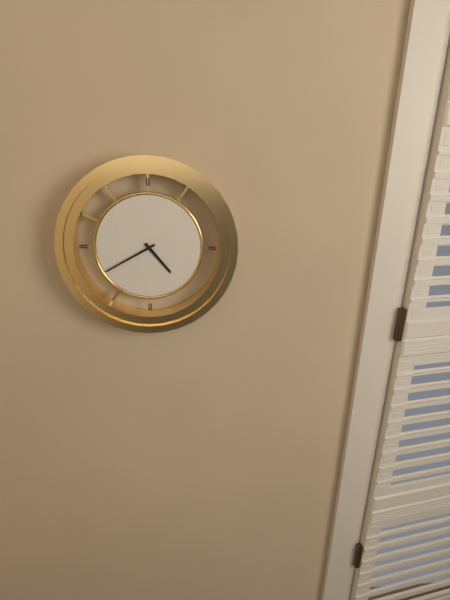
4:40
